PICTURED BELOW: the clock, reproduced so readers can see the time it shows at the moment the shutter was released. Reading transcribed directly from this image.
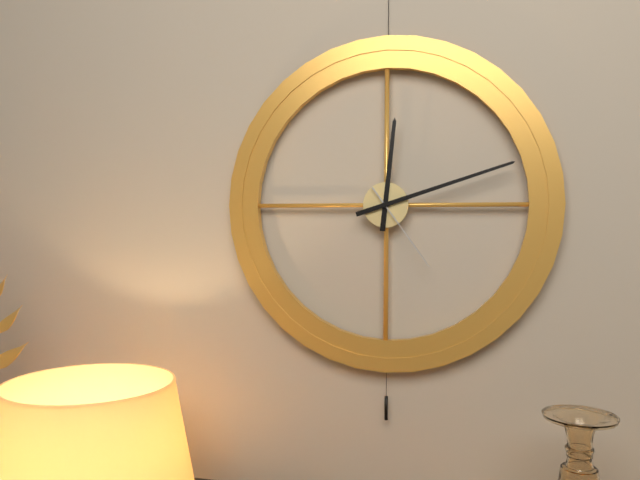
12:12:24
